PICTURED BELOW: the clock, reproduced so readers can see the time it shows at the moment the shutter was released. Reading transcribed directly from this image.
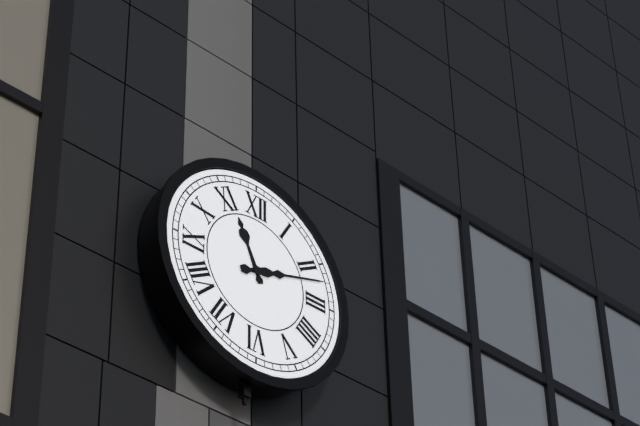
11:12
